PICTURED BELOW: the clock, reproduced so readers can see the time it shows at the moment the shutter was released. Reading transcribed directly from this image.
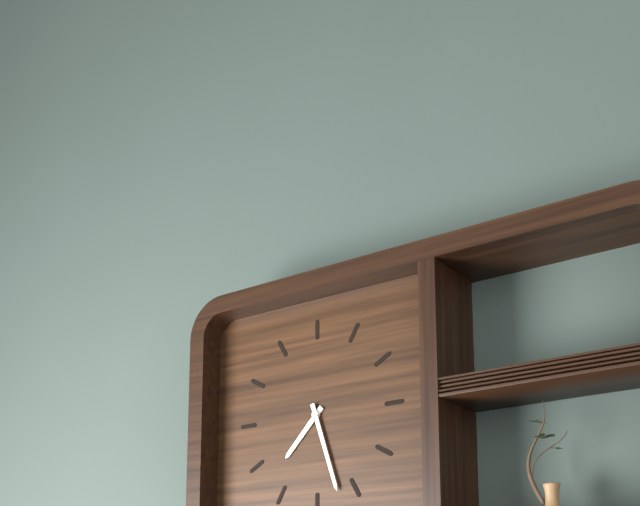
7:27
